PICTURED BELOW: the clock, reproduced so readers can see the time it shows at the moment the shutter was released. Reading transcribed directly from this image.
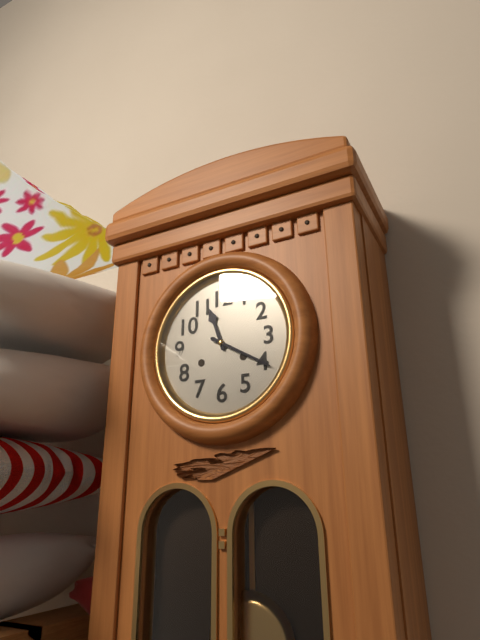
11:20
